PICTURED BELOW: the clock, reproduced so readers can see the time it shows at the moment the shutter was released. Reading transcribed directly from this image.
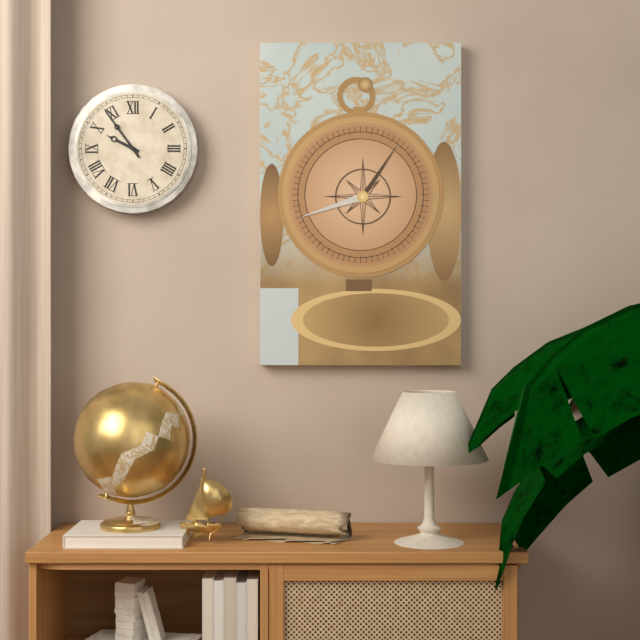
9:54
